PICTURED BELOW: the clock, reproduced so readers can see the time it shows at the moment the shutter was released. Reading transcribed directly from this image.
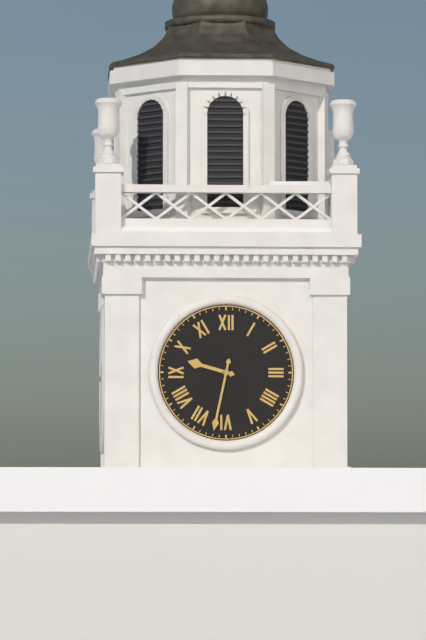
9:32
